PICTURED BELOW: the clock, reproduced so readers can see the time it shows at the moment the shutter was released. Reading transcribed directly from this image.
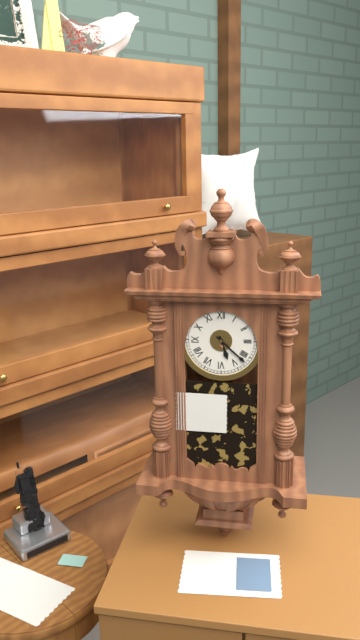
5:22
